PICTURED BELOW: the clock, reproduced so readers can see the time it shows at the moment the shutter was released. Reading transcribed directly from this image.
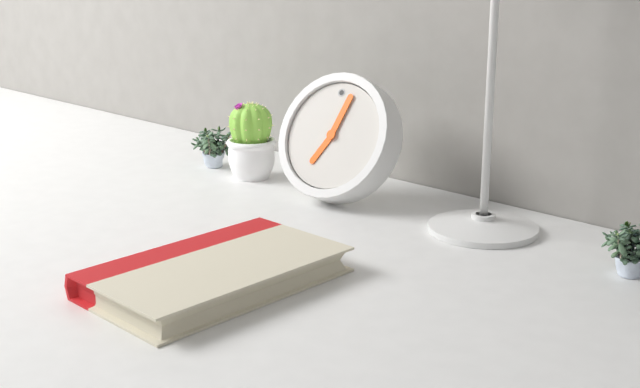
7:03
